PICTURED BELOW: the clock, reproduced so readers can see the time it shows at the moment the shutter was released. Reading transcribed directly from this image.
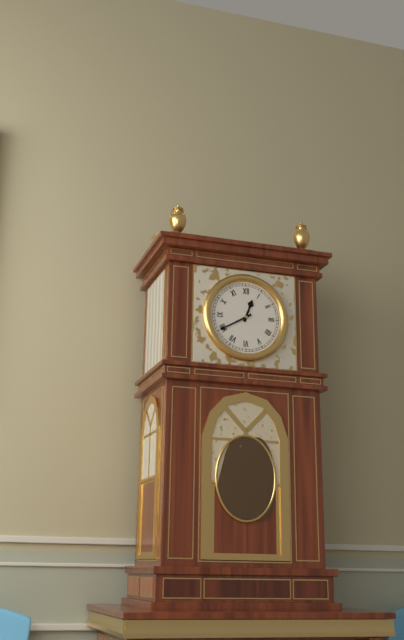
12:40
